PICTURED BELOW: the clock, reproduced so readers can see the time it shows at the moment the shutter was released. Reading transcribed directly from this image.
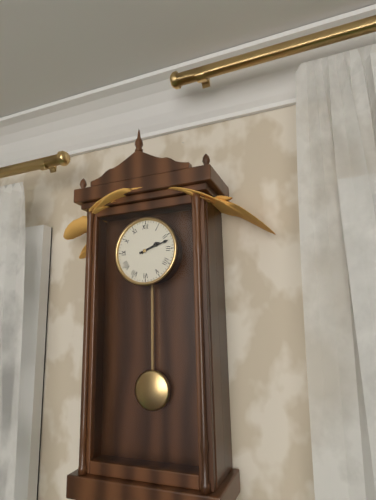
2:12
